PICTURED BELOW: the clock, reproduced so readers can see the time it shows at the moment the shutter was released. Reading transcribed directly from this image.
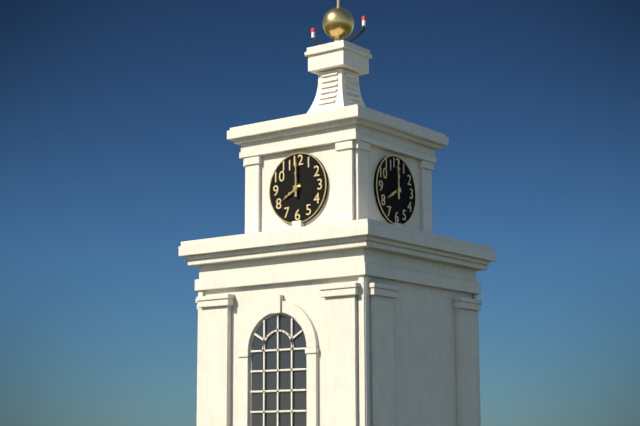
8:00
